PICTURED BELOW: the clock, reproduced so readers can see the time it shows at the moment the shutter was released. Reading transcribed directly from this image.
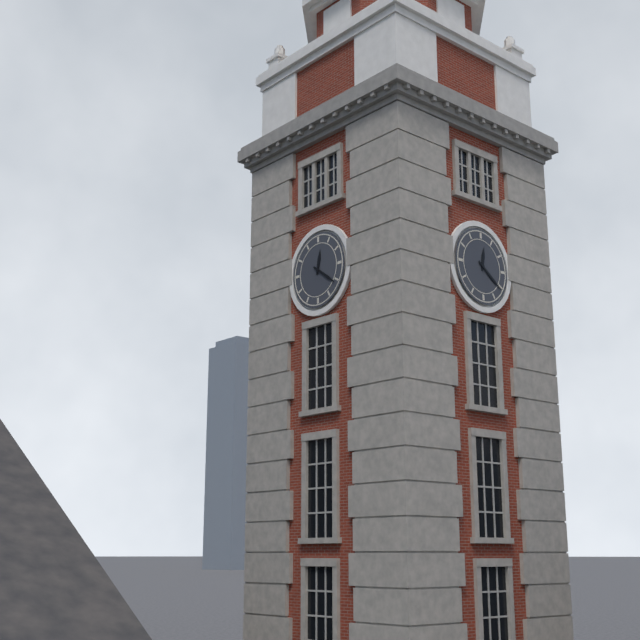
12:21
